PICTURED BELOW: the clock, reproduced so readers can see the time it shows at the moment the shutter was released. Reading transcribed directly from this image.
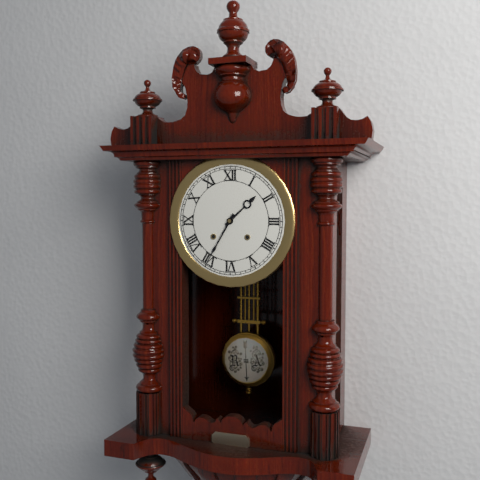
1:35
